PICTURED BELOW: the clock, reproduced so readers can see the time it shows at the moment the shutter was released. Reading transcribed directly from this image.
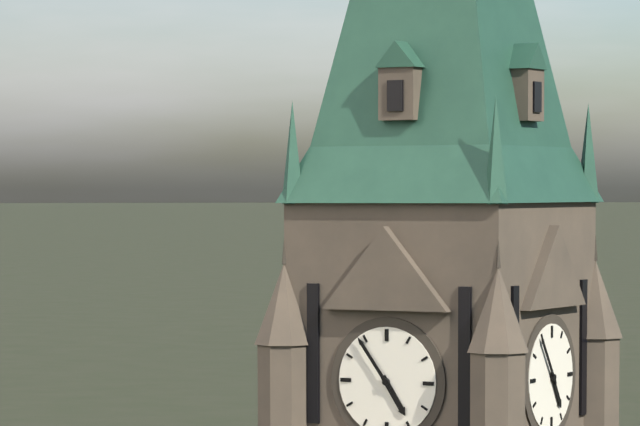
4:54
